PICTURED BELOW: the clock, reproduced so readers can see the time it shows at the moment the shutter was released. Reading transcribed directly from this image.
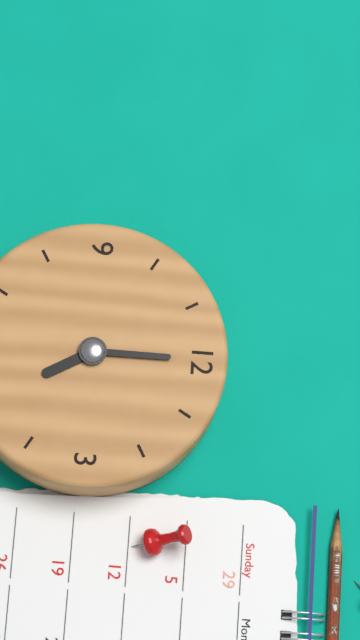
5:00
